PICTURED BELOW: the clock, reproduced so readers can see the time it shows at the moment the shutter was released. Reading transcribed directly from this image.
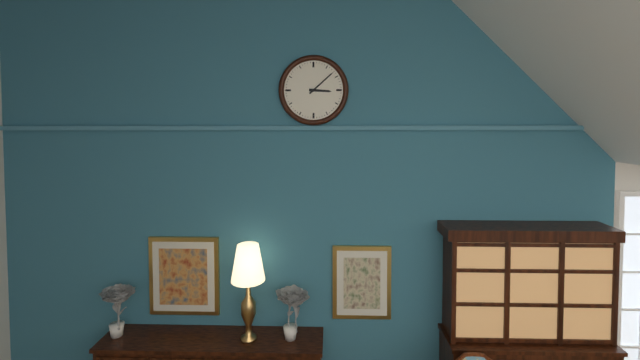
3:08
